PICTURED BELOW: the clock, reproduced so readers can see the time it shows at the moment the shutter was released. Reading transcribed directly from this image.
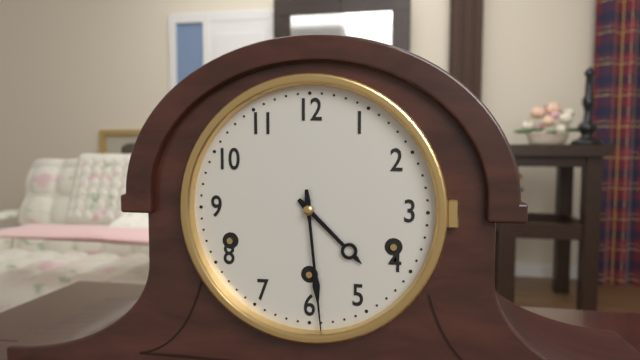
4:29
